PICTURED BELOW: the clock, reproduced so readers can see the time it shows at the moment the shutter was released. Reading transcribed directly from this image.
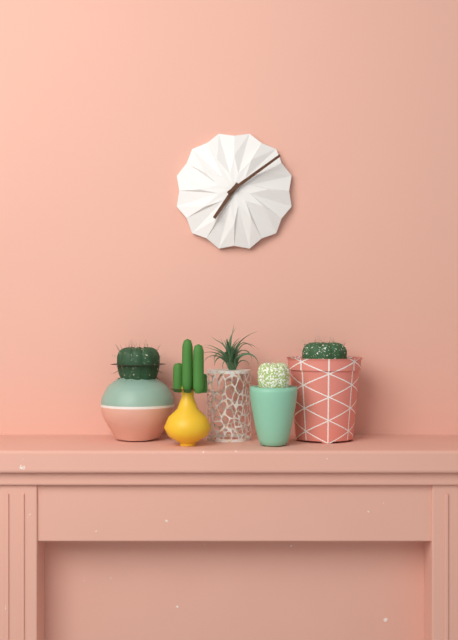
7:09
